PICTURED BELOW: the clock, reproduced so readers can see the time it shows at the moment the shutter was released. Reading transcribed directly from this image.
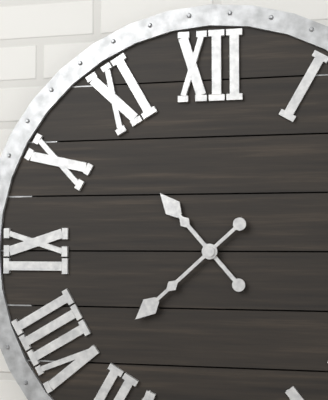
10:38
